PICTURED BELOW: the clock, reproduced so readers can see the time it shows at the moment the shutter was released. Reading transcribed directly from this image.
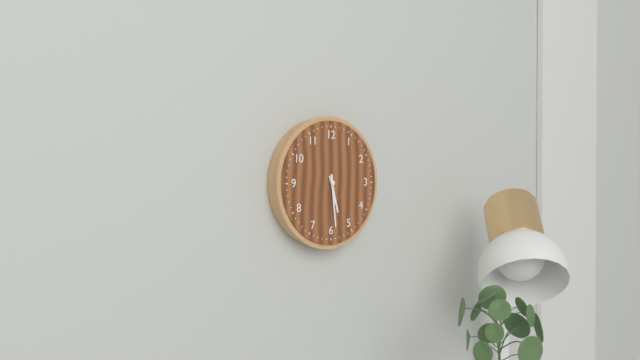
5:29
